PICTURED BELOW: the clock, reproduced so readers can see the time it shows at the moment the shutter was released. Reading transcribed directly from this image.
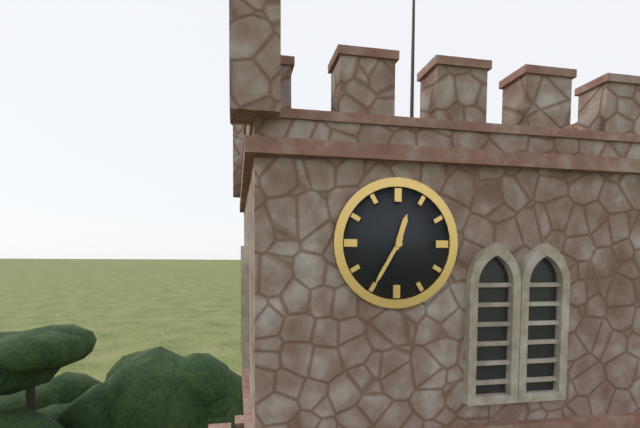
12:35
